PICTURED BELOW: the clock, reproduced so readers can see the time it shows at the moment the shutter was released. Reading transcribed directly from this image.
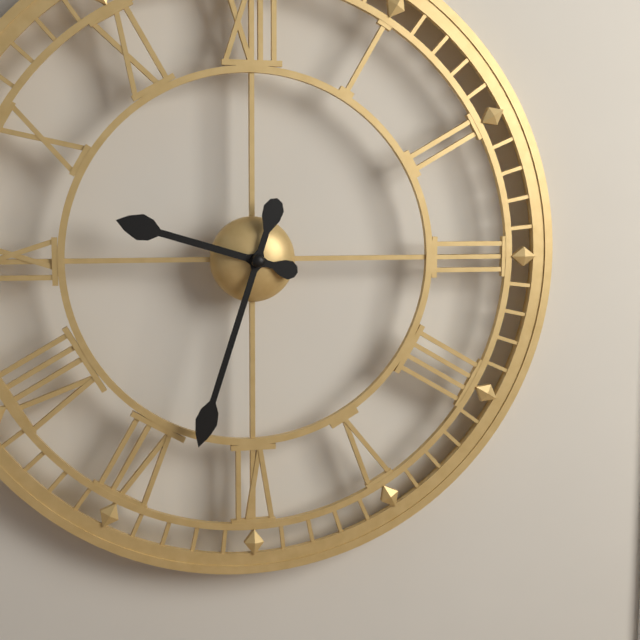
9:33
